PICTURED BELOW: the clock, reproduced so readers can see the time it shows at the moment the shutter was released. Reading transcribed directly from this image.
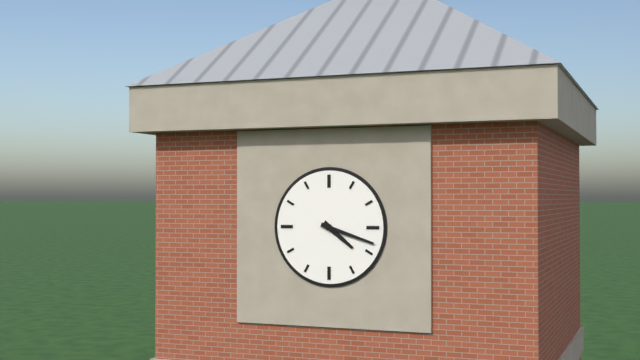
4:18
